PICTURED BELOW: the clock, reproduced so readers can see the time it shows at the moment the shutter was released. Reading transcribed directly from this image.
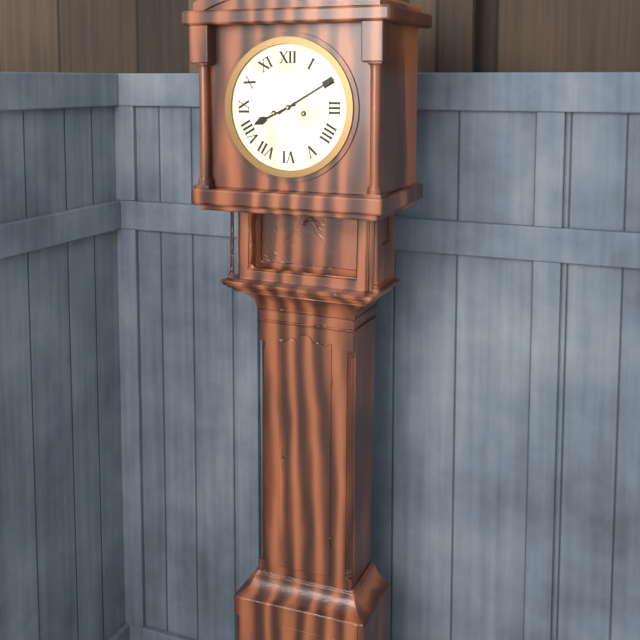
8:10
